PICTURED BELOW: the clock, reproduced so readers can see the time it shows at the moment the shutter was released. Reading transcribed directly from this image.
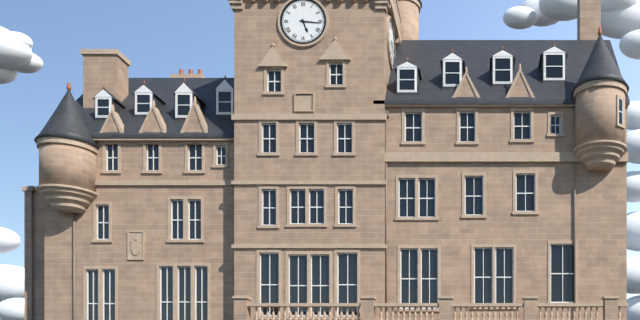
5:16
